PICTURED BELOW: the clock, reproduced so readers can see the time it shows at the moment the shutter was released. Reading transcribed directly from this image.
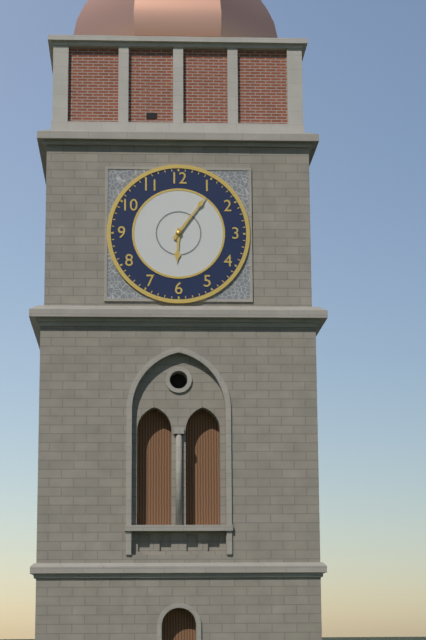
6:06
